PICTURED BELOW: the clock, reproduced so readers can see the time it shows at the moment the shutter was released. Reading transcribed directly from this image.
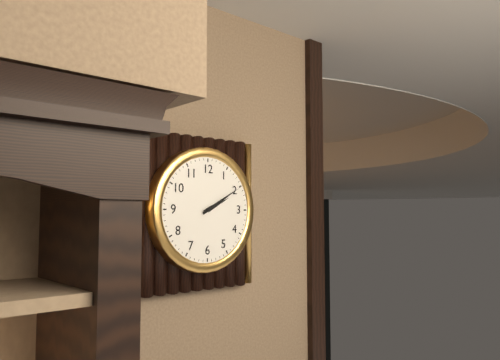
2:10
